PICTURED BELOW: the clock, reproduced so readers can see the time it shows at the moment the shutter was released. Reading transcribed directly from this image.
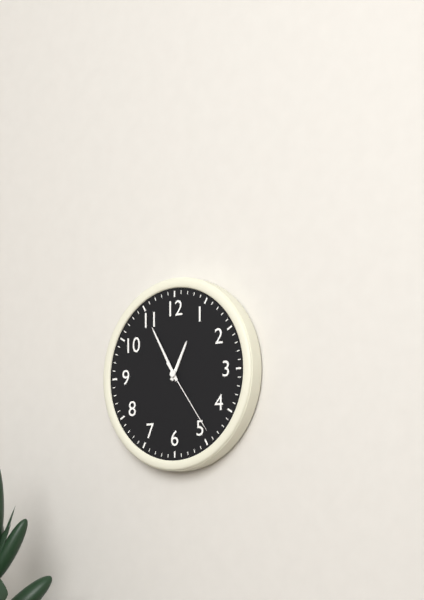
12:55:24
